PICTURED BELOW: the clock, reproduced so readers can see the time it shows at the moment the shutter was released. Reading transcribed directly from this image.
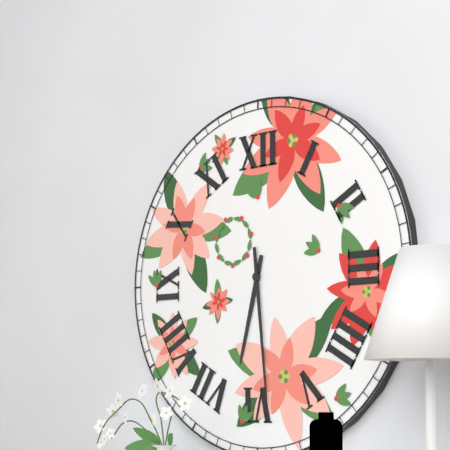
6:29
